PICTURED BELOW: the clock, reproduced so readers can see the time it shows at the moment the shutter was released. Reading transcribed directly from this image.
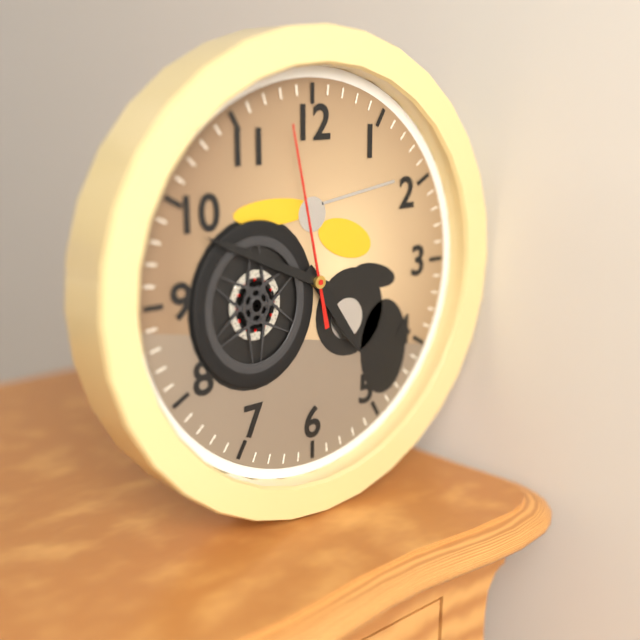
4:49:58
